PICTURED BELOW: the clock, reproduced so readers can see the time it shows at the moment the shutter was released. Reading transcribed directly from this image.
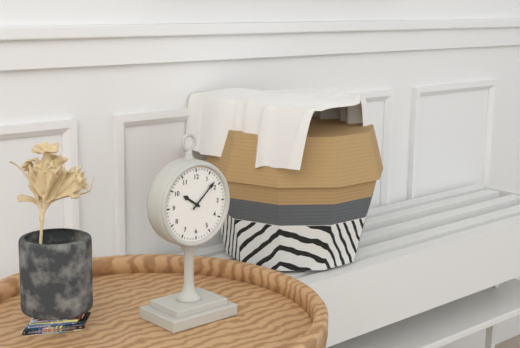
10:08
